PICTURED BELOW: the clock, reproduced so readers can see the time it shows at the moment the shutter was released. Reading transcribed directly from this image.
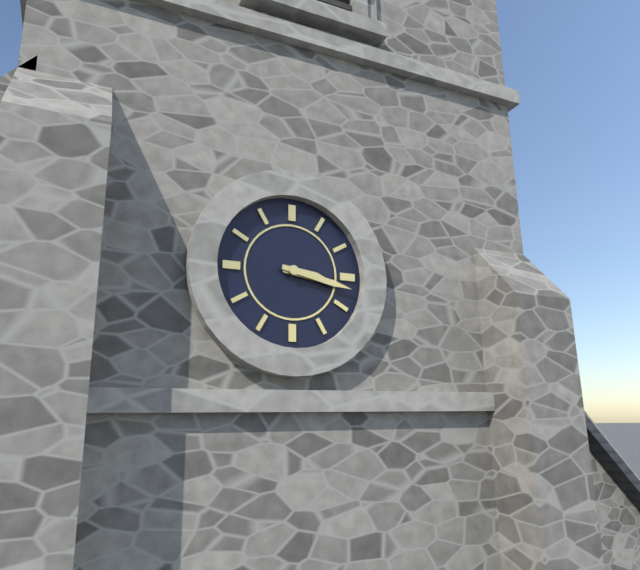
3:17
